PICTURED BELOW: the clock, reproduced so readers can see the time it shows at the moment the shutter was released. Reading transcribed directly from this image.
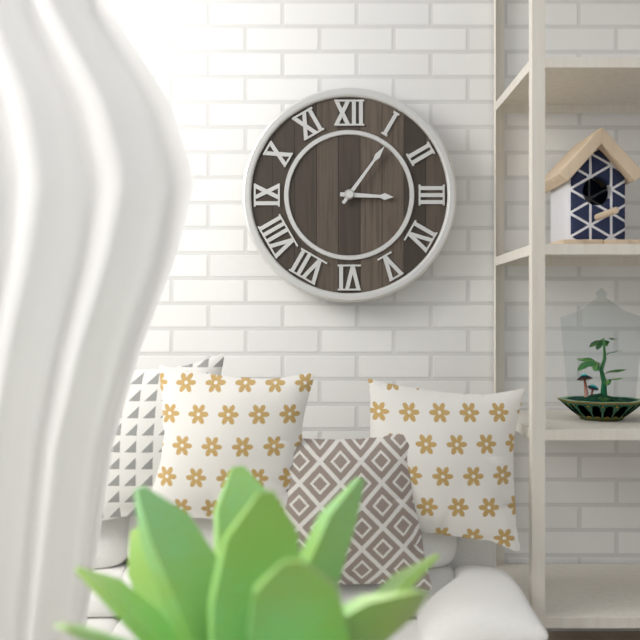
3:06
